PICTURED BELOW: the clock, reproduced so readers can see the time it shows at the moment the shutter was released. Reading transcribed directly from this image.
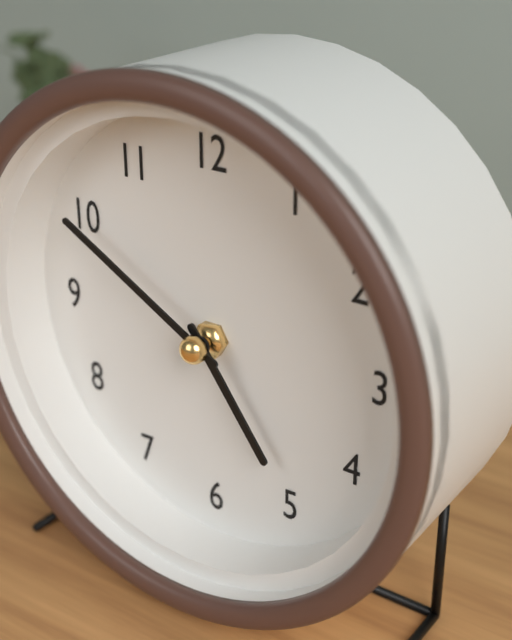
4:50
